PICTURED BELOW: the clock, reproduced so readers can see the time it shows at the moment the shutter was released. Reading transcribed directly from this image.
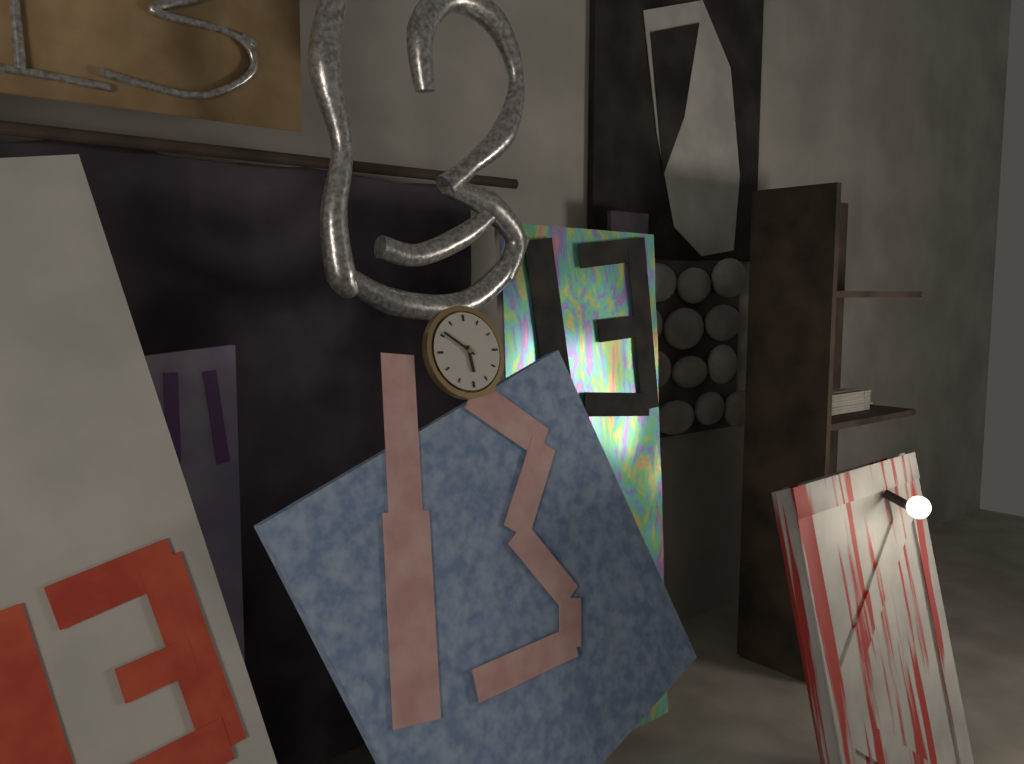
5:51
